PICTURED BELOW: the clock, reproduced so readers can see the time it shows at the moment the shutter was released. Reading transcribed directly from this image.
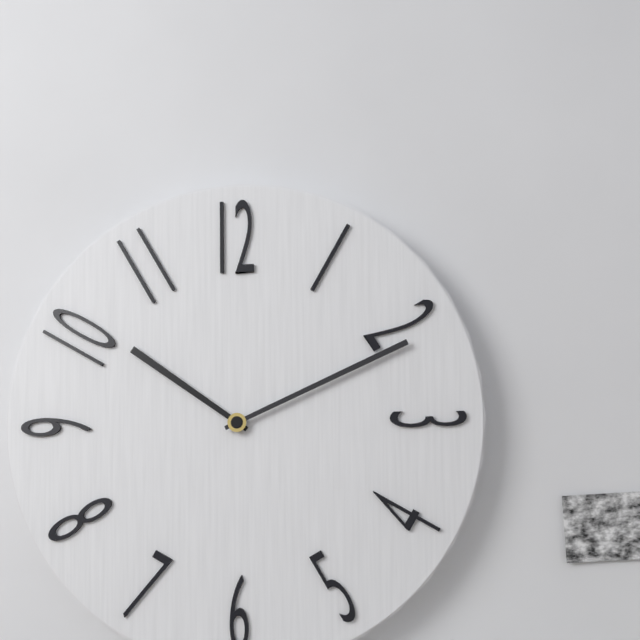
10:11
